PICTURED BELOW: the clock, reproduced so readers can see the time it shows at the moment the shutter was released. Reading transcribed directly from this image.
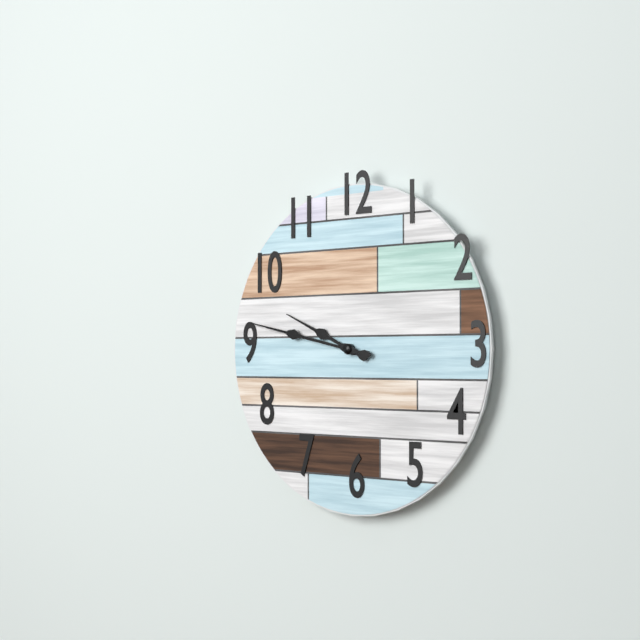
9:47
